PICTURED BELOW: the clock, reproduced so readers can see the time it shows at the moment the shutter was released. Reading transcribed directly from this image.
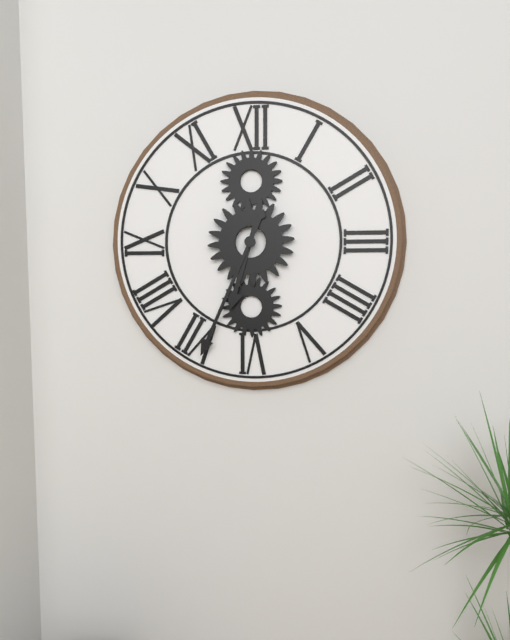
6:34
